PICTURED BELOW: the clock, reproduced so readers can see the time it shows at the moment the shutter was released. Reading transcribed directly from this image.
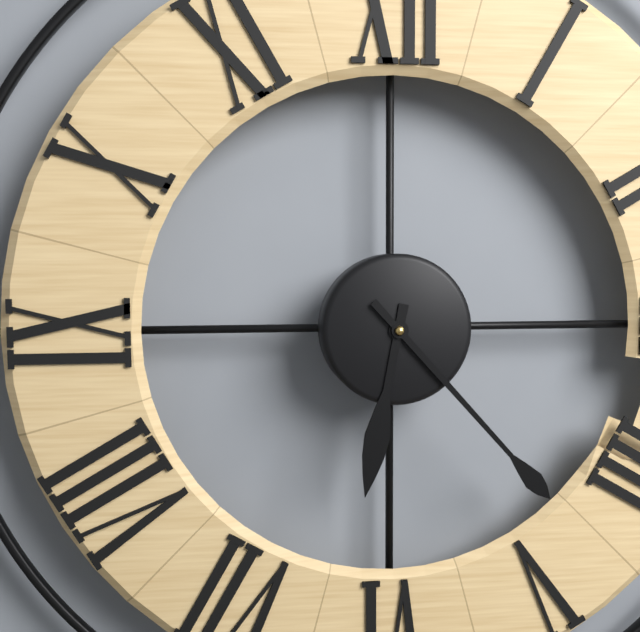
6:23
